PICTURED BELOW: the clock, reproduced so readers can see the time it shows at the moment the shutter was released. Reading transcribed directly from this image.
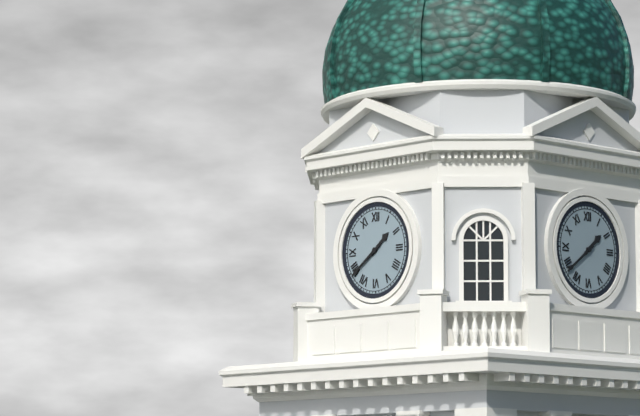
1:39
